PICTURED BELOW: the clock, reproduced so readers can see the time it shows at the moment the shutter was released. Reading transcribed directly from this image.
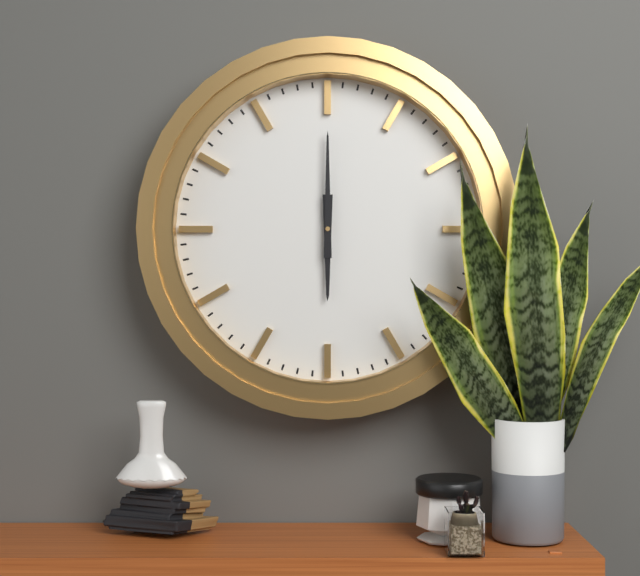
6:00
